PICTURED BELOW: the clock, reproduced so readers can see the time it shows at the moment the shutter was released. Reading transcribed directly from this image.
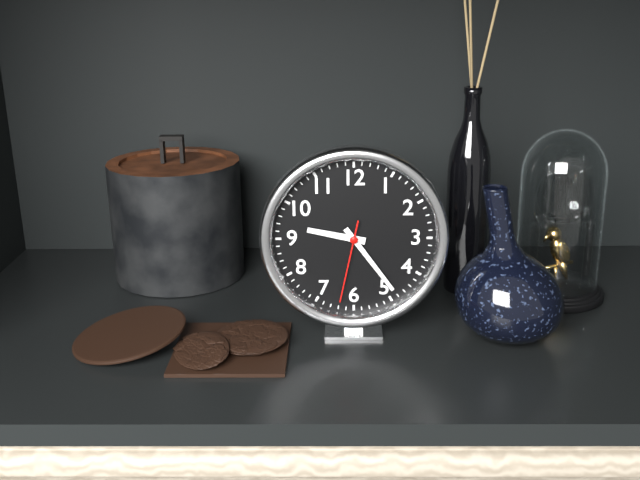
9:24:32
